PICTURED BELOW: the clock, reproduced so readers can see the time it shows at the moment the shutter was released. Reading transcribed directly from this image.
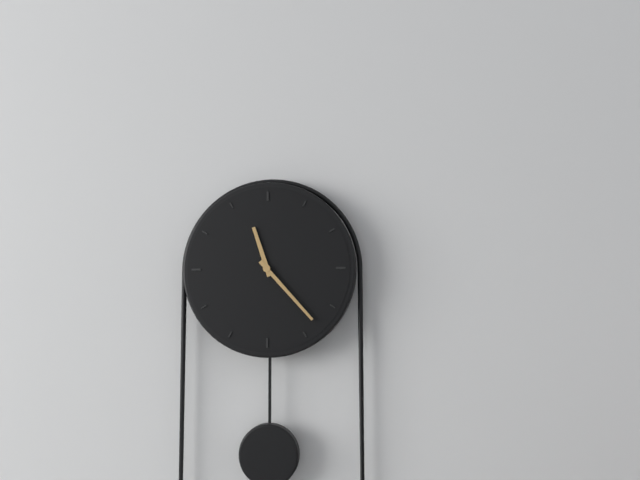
11:23
